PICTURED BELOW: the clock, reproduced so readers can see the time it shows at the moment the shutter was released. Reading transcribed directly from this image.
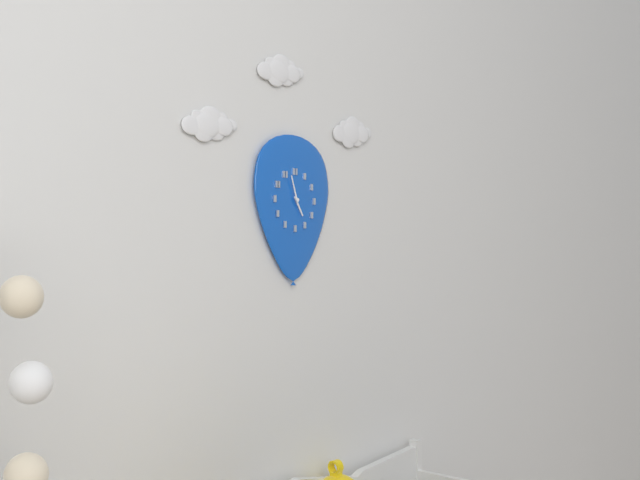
4:57
